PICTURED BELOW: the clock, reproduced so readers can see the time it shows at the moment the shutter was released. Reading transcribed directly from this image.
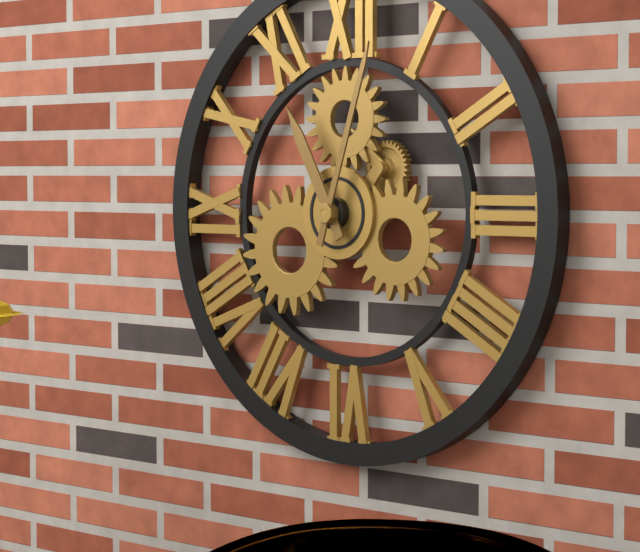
11:03
